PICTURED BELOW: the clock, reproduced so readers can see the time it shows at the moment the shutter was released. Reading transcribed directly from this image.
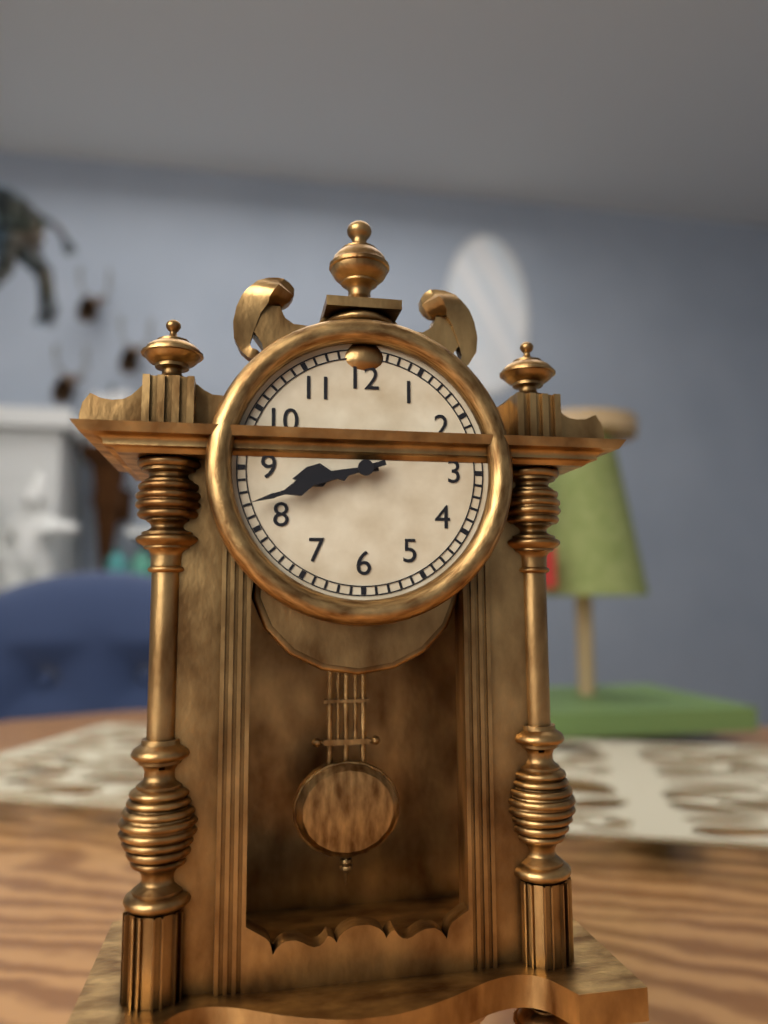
8:42
